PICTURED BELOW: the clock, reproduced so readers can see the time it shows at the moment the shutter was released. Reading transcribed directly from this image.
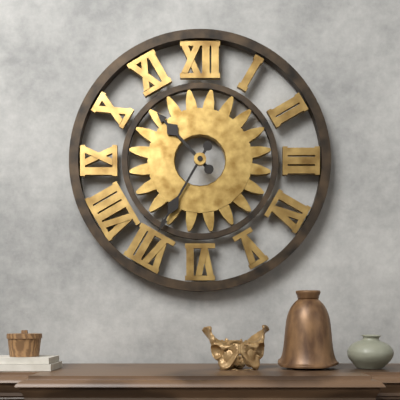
10:35
